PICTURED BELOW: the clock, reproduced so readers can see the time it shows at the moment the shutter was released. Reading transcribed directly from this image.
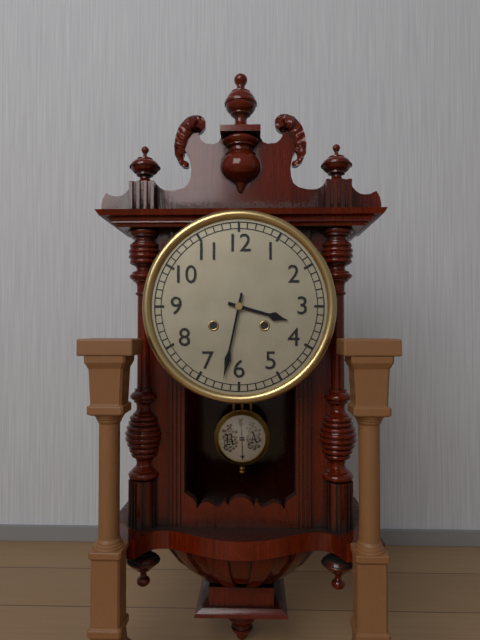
3:32
